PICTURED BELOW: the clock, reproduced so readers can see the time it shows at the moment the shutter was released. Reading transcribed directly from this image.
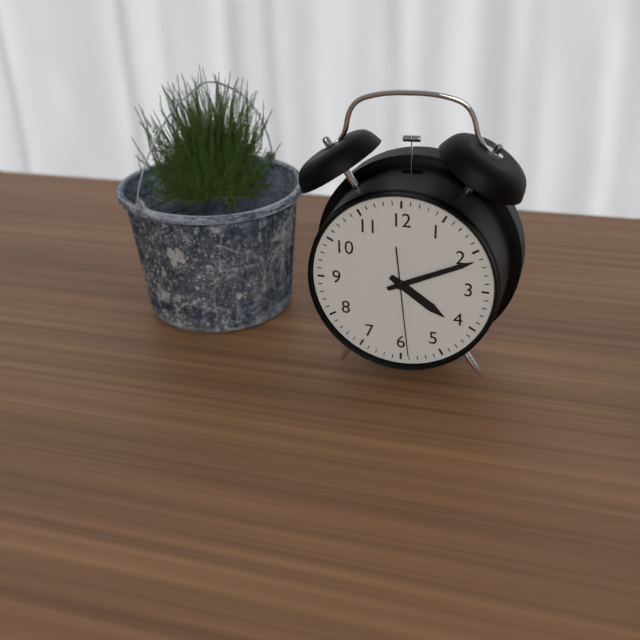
4:11:29
